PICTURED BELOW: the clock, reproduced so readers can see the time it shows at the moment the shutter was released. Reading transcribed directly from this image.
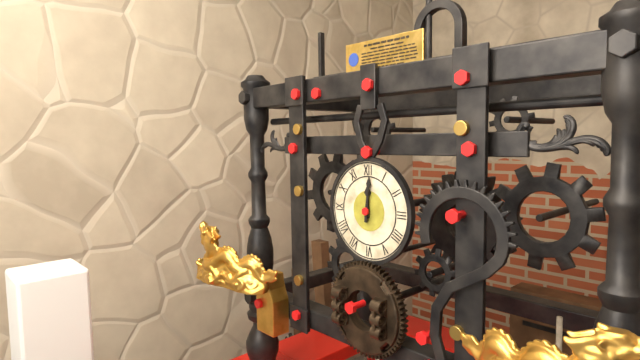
12:01
